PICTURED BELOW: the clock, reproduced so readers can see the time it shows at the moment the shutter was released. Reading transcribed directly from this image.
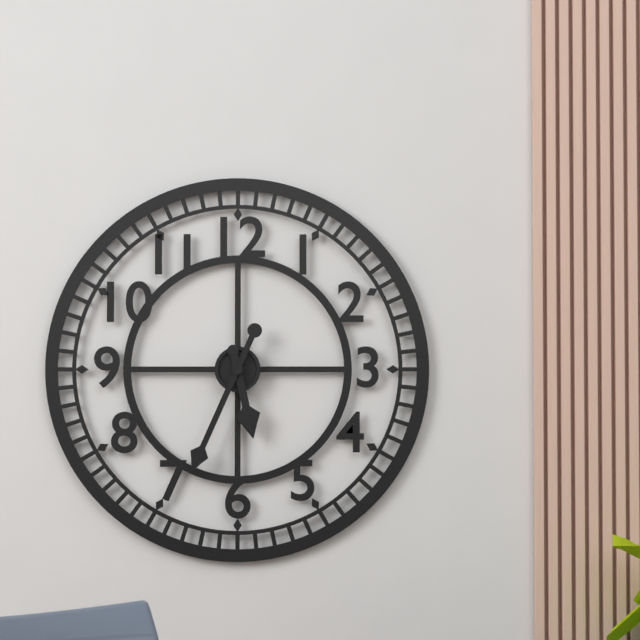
5:34
